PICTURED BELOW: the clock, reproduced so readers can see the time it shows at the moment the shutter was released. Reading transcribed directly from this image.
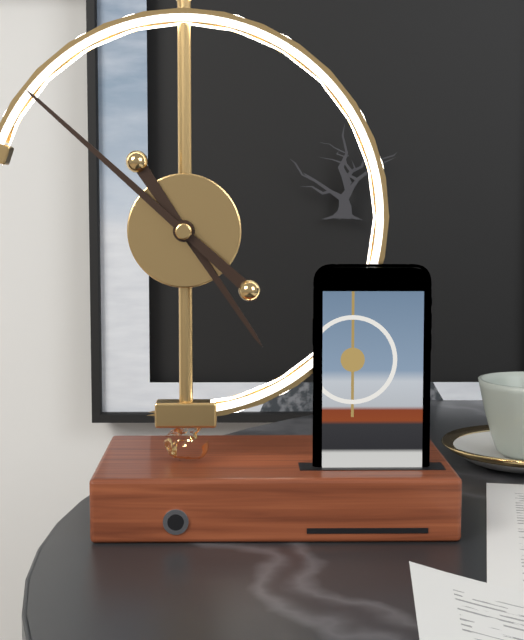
4:52
